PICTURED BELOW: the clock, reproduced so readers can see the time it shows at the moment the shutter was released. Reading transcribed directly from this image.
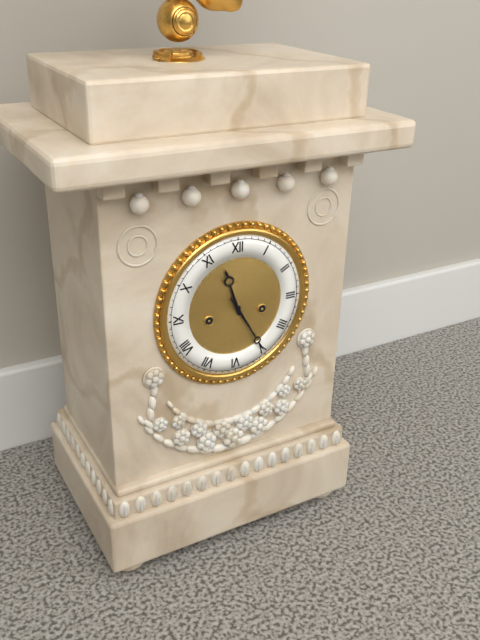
11:25
